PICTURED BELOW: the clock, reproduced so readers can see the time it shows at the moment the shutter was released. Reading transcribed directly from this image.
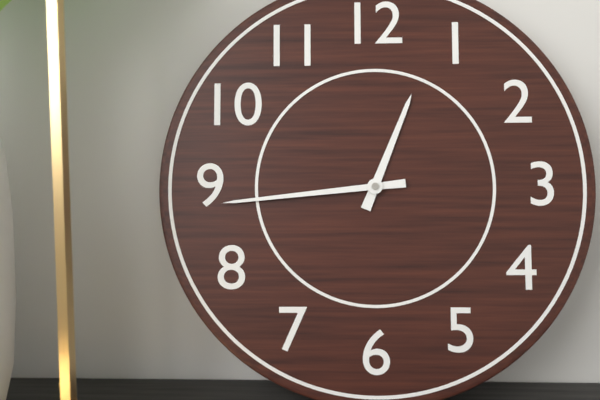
12:44
